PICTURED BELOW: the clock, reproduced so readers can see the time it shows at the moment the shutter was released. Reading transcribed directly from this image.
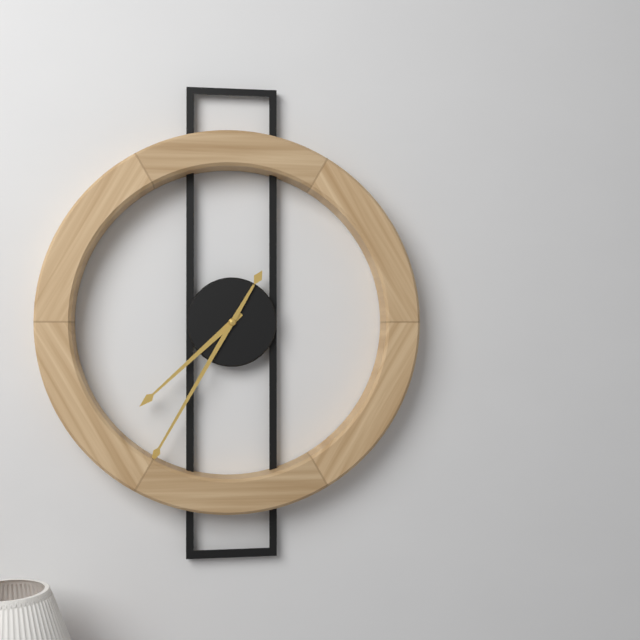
7:35
